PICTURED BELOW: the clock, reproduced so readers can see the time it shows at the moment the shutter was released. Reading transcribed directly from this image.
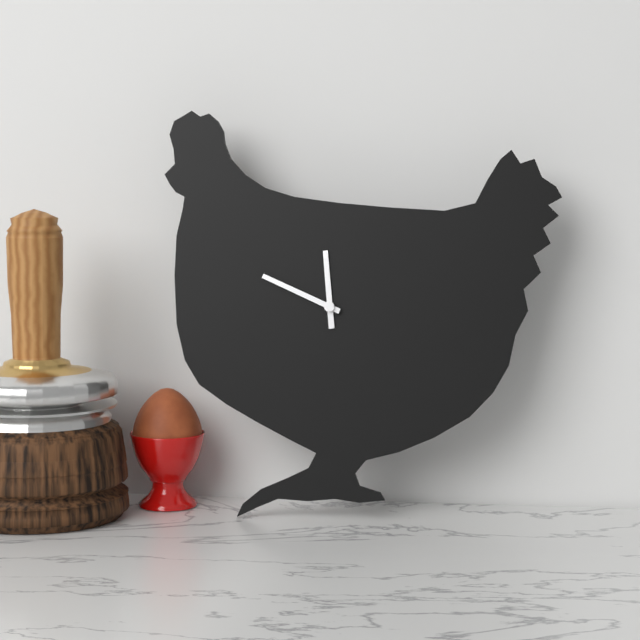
11:49
